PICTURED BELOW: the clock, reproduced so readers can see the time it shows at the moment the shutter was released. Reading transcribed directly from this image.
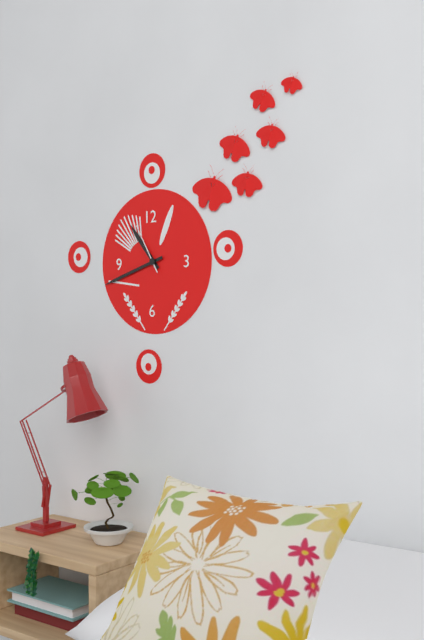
10:42
